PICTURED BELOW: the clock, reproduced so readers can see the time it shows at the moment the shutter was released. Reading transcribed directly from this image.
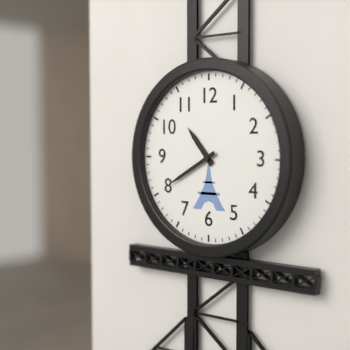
10:40
